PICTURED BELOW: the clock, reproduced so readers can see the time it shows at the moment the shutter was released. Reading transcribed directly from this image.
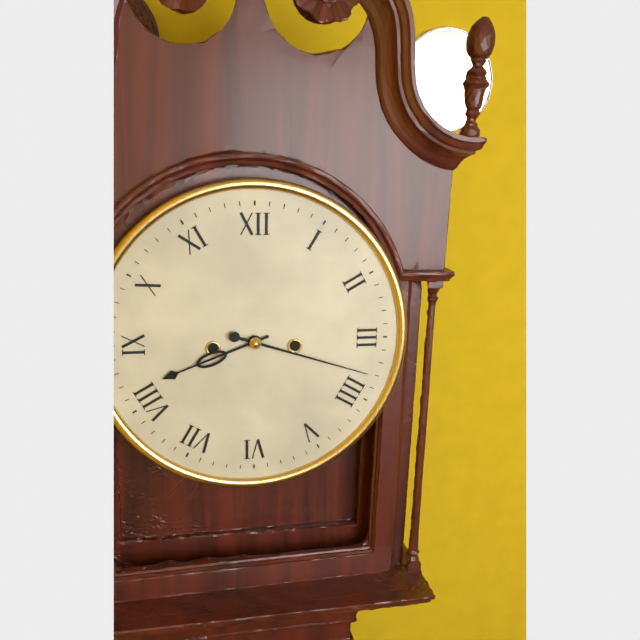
8:18
